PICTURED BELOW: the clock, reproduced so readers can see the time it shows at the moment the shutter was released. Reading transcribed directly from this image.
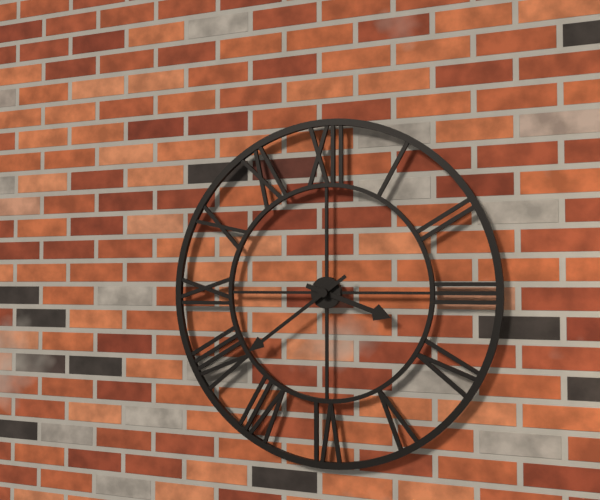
3:39
